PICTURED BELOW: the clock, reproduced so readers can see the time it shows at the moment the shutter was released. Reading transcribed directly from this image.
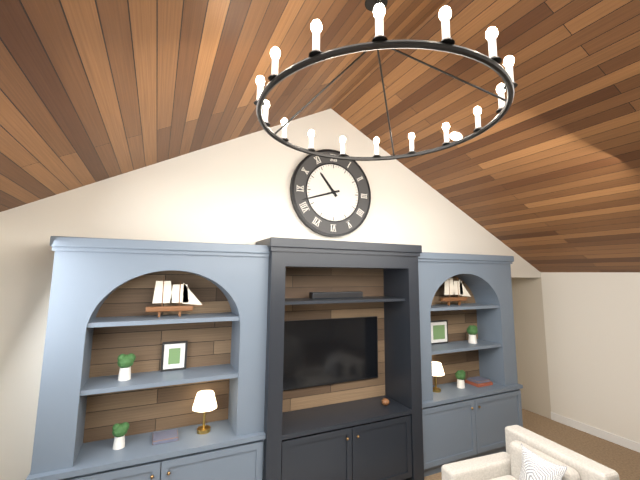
10:42
